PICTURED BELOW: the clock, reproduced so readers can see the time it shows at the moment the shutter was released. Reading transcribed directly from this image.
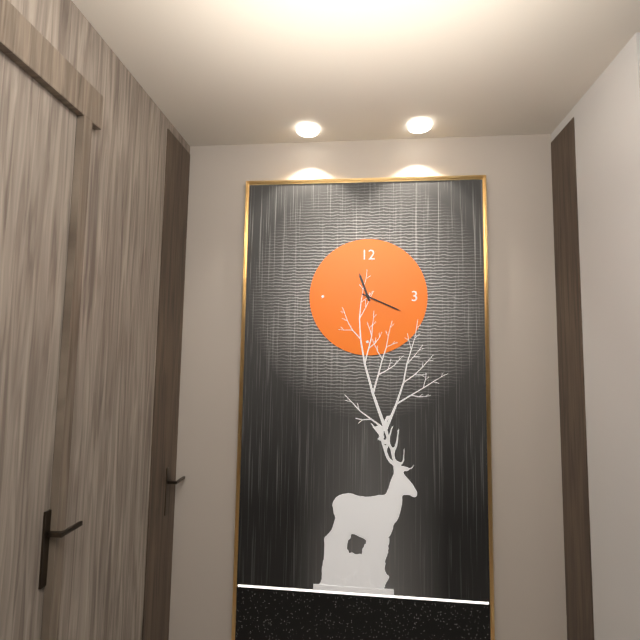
11:19
